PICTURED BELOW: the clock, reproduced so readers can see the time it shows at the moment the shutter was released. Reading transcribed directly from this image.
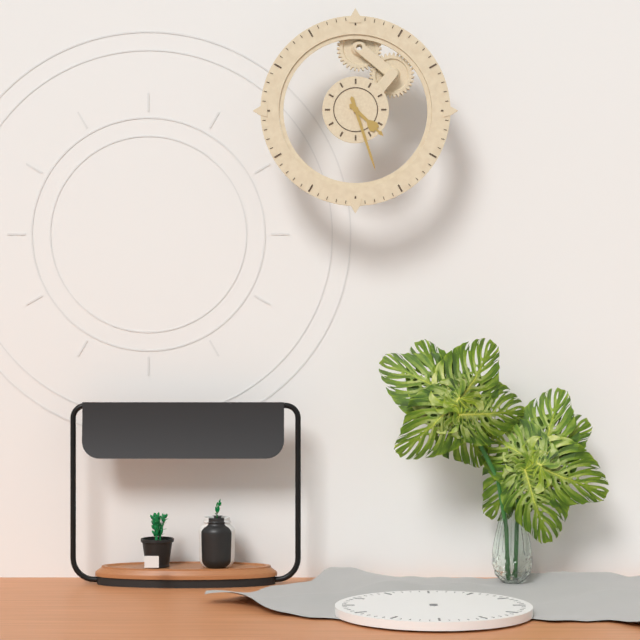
4:27
